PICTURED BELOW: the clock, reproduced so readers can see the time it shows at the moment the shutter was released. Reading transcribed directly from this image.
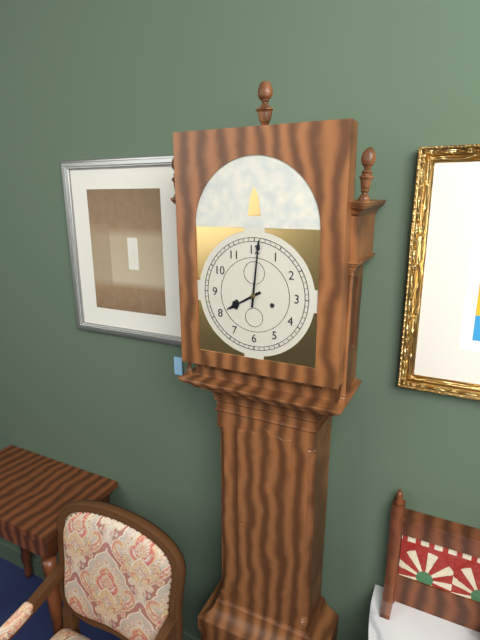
8:01
